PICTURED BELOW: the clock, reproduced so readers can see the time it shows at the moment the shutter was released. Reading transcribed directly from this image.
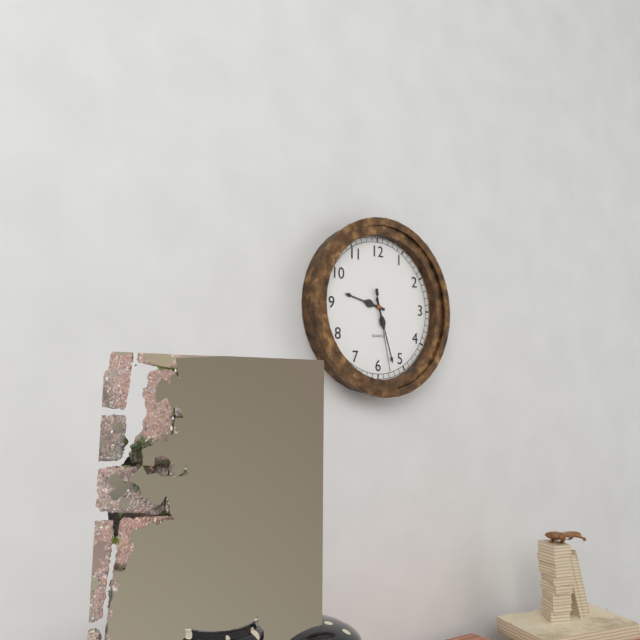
9:27:28
